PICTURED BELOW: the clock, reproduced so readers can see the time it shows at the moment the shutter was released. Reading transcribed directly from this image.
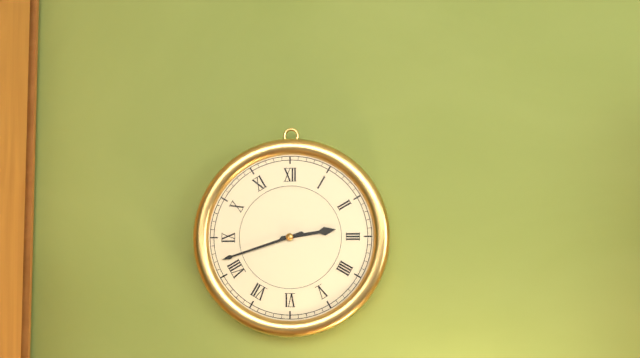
2:42
